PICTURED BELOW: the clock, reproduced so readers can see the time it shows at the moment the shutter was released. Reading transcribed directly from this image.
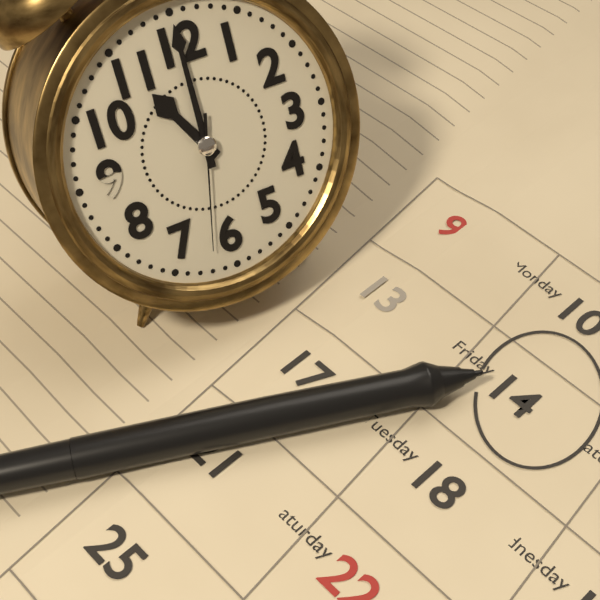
11:00:32
